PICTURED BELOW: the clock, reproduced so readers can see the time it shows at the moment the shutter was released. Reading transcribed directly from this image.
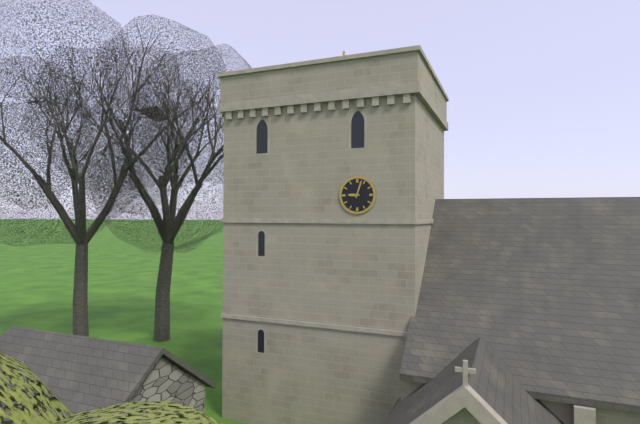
9:03
